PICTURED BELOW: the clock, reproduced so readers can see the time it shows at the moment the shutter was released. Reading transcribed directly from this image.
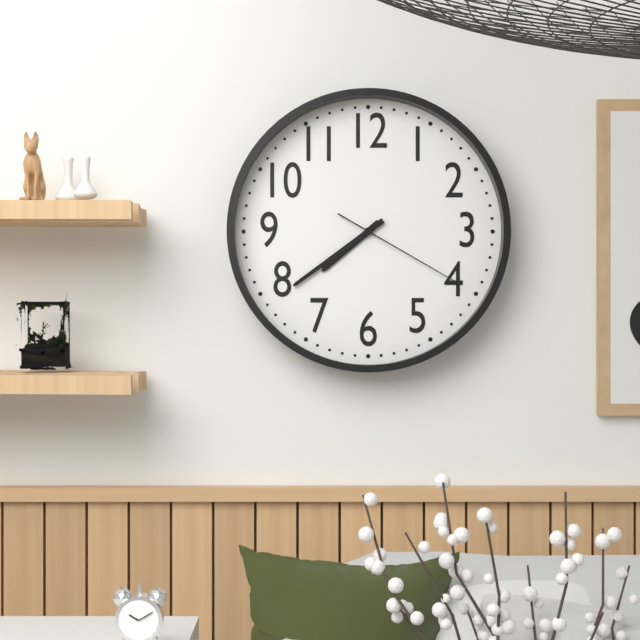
7:39:20
